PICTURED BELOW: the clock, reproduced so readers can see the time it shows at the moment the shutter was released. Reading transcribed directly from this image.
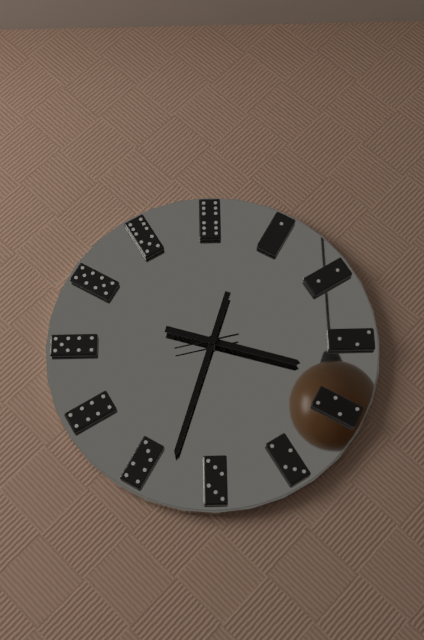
3:33
